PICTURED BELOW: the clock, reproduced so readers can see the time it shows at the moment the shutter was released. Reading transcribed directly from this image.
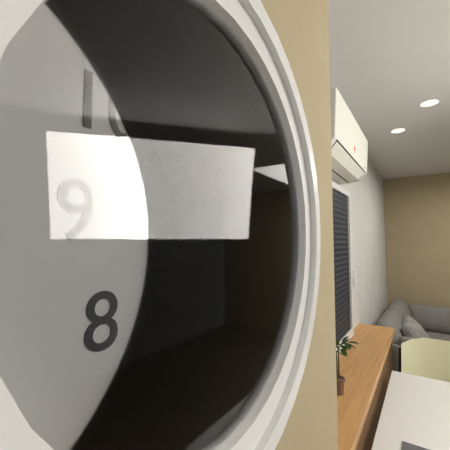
3:20
